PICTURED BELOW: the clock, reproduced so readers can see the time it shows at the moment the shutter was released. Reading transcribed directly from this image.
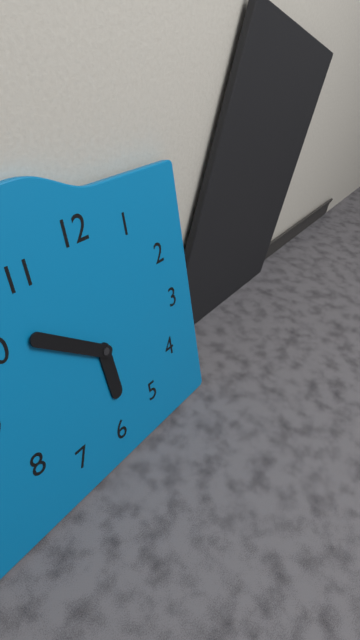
5:51
